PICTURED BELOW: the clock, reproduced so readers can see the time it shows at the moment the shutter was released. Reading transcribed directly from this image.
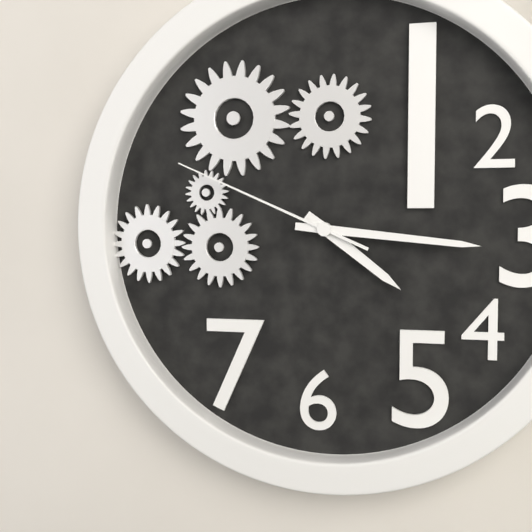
4:16:49
